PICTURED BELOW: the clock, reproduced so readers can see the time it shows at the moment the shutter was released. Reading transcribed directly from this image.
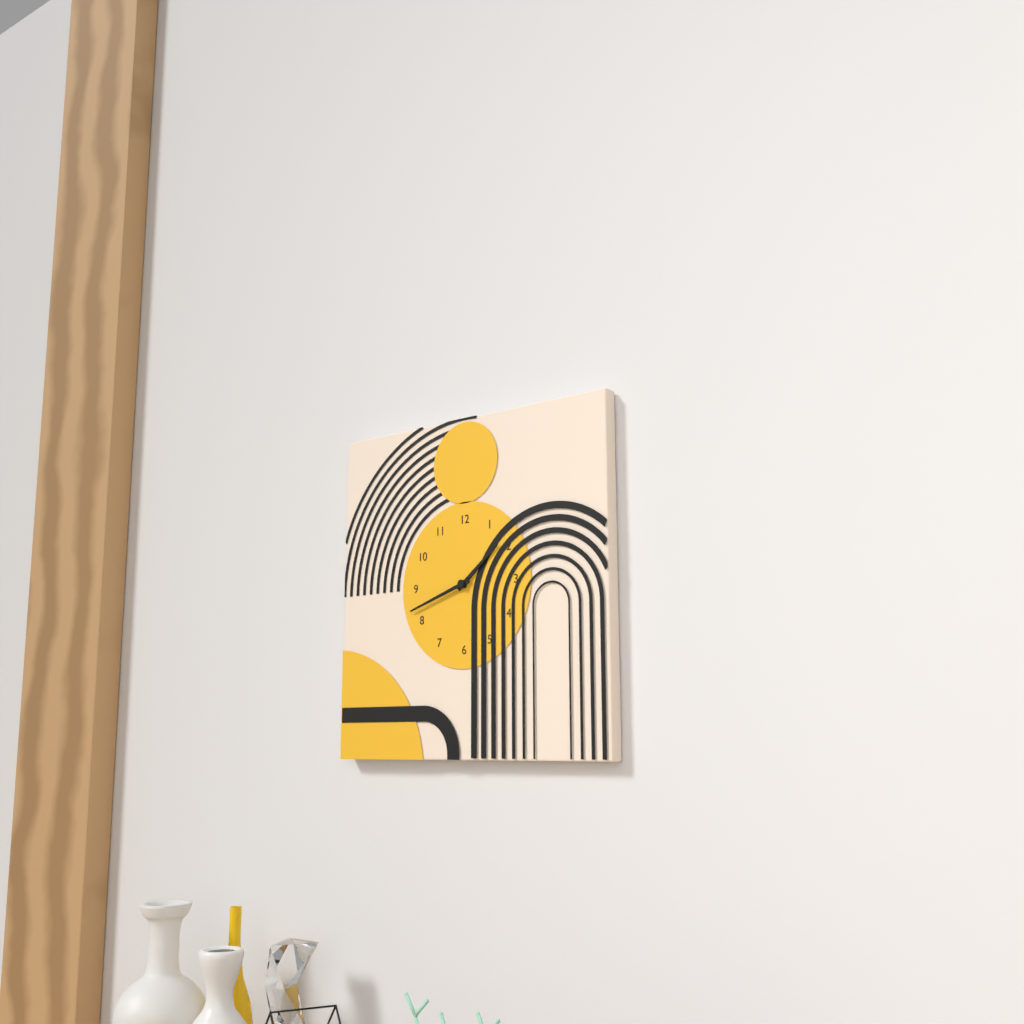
1:42
